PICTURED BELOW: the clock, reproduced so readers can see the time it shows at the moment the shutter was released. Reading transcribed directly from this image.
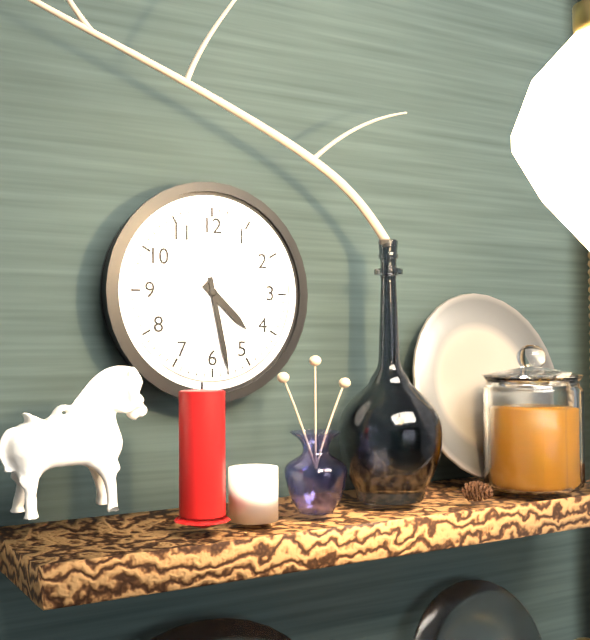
4:28
